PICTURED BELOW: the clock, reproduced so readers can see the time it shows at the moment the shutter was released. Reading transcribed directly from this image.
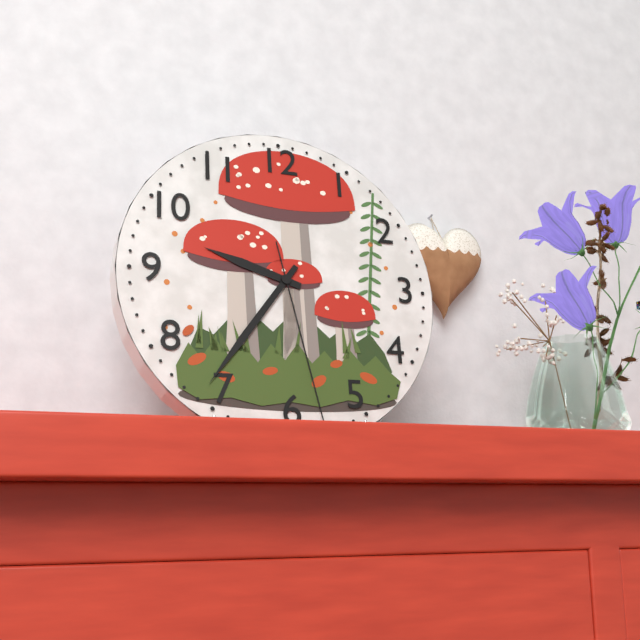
9:36:28
